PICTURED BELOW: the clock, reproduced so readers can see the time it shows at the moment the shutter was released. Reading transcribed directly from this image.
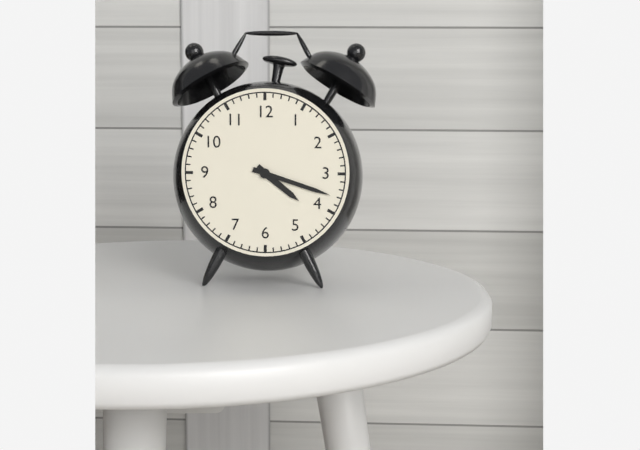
4:18
